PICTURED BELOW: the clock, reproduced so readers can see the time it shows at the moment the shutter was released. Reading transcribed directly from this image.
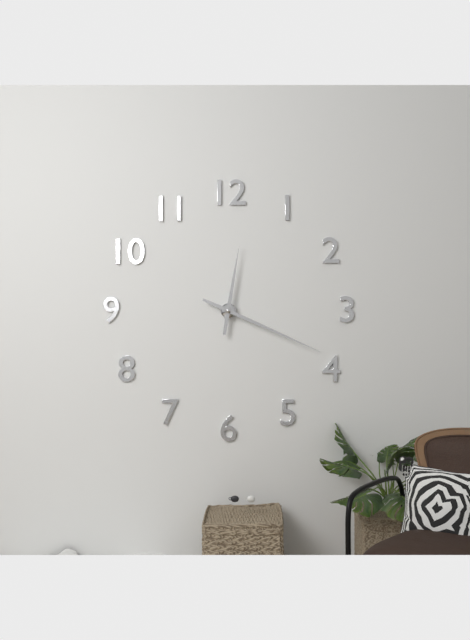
12:19
